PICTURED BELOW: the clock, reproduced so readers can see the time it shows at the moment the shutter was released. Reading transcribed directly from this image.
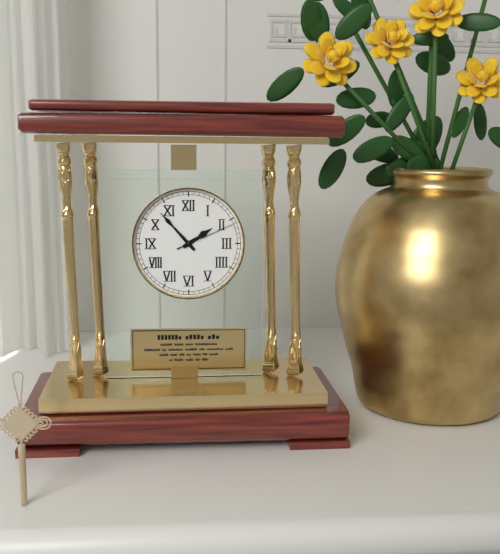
1:53:11
